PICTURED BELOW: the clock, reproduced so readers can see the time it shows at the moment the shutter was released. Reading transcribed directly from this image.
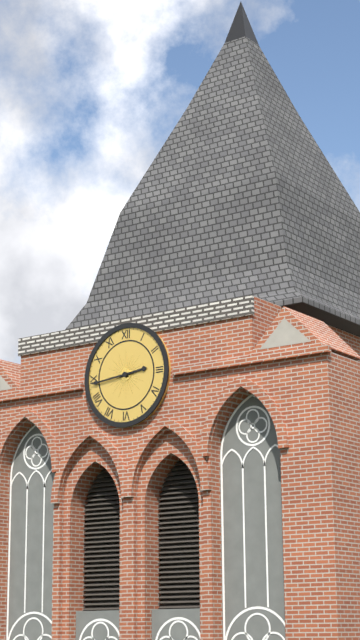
2:44
